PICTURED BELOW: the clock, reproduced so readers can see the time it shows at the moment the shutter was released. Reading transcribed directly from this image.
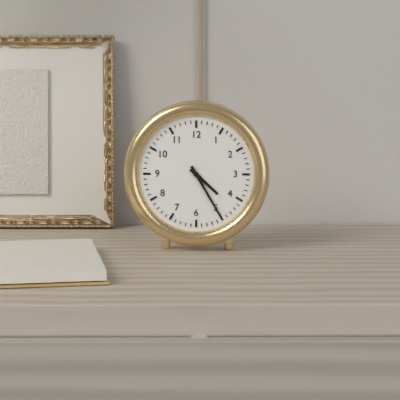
4:25
